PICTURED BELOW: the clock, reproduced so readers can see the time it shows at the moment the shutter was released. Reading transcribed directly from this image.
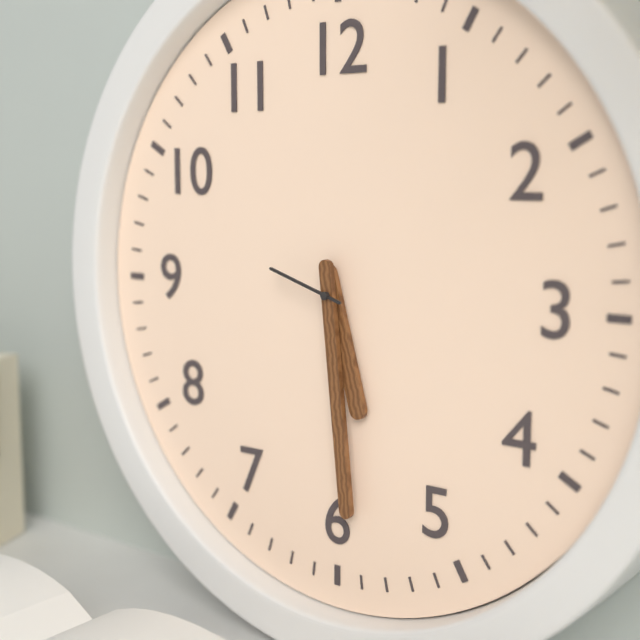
5:29:48
